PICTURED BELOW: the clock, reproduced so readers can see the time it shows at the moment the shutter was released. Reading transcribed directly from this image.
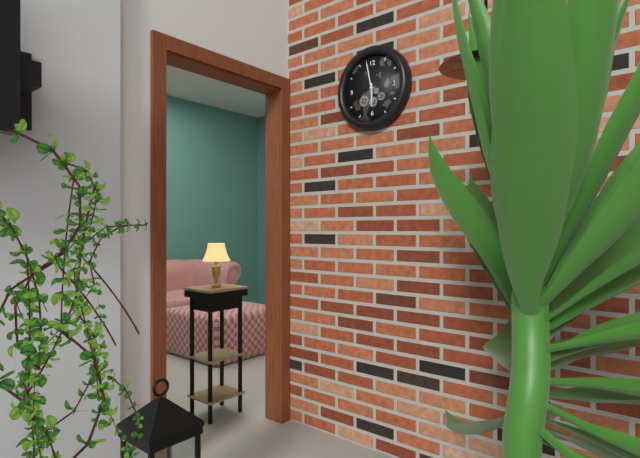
5:58
